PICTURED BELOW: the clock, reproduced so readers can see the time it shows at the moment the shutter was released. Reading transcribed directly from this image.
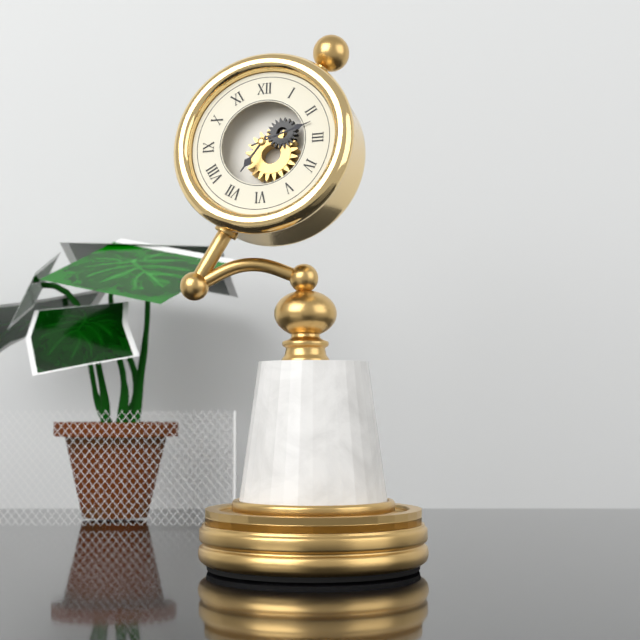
7:12
